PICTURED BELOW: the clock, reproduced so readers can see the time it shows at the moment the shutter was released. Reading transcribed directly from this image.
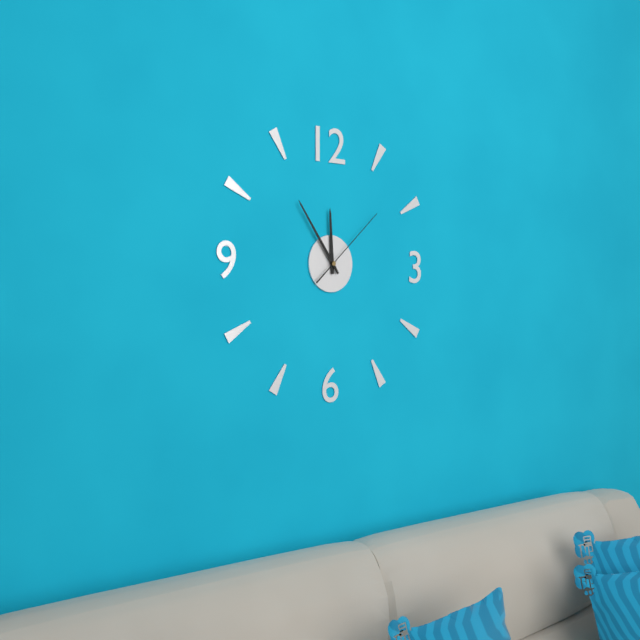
11:54:08
